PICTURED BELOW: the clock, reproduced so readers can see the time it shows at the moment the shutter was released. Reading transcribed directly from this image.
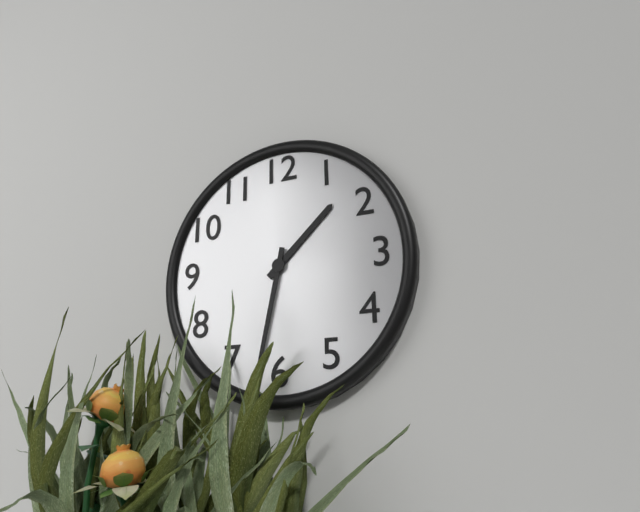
1:32
